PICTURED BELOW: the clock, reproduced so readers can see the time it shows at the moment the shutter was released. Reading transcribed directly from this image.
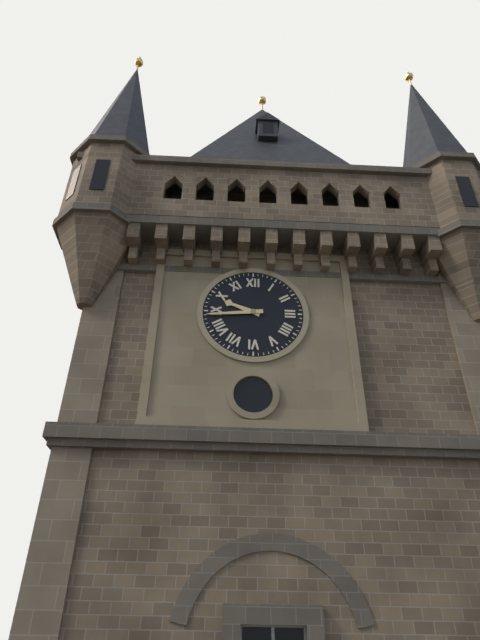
9:44
